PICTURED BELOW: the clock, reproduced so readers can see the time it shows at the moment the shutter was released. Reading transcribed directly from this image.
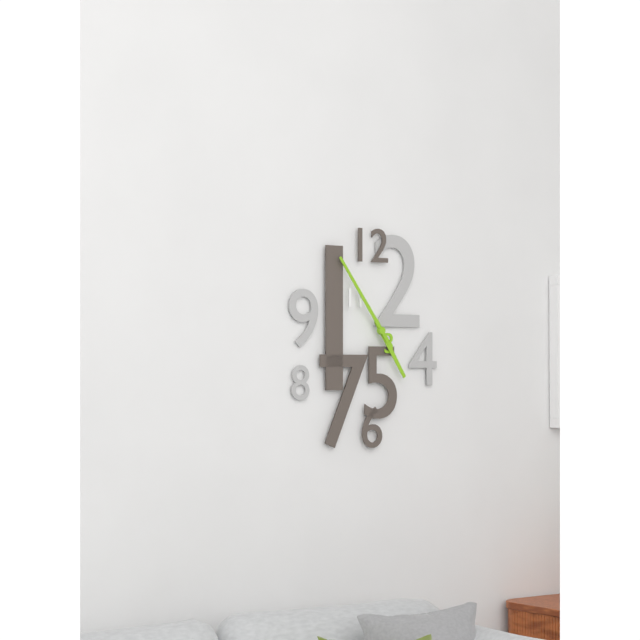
4:54
